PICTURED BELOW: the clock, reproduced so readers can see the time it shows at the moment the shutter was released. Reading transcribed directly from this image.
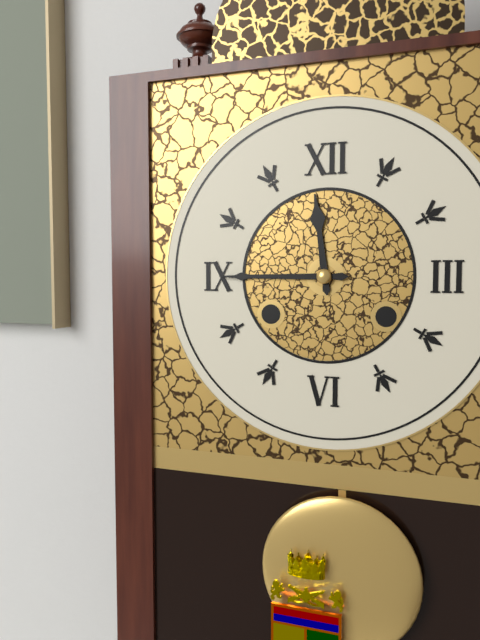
11:45
